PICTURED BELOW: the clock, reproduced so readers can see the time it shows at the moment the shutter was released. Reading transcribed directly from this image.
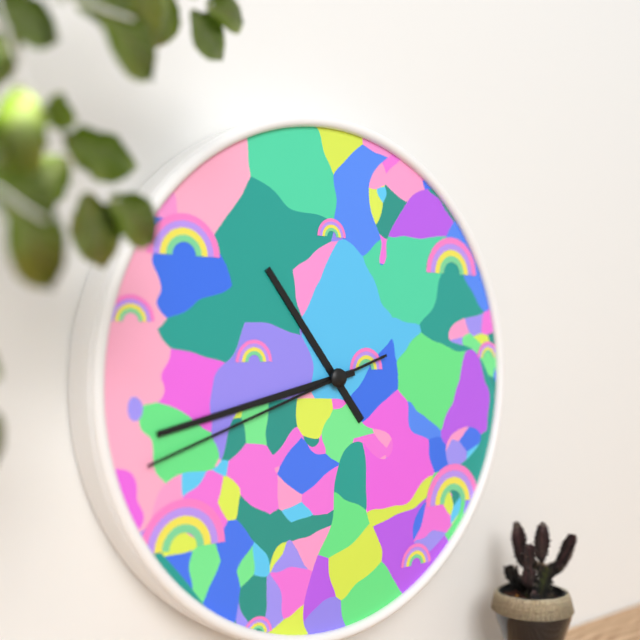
10:43:42
